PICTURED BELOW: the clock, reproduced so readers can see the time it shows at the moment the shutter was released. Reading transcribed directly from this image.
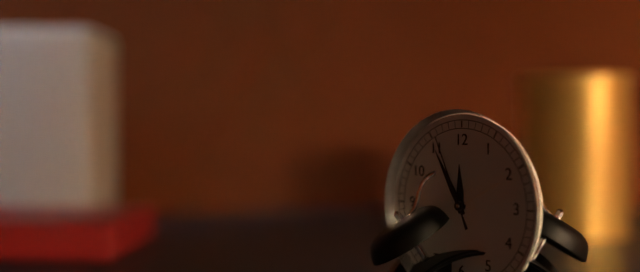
11:55:56
